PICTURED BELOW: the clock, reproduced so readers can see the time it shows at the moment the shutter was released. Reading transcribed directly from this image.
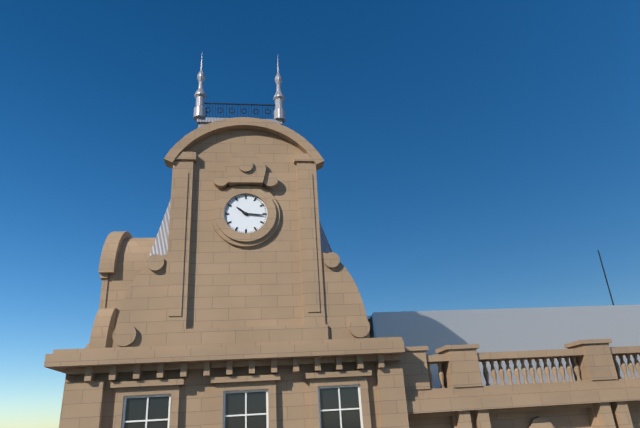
10:16
